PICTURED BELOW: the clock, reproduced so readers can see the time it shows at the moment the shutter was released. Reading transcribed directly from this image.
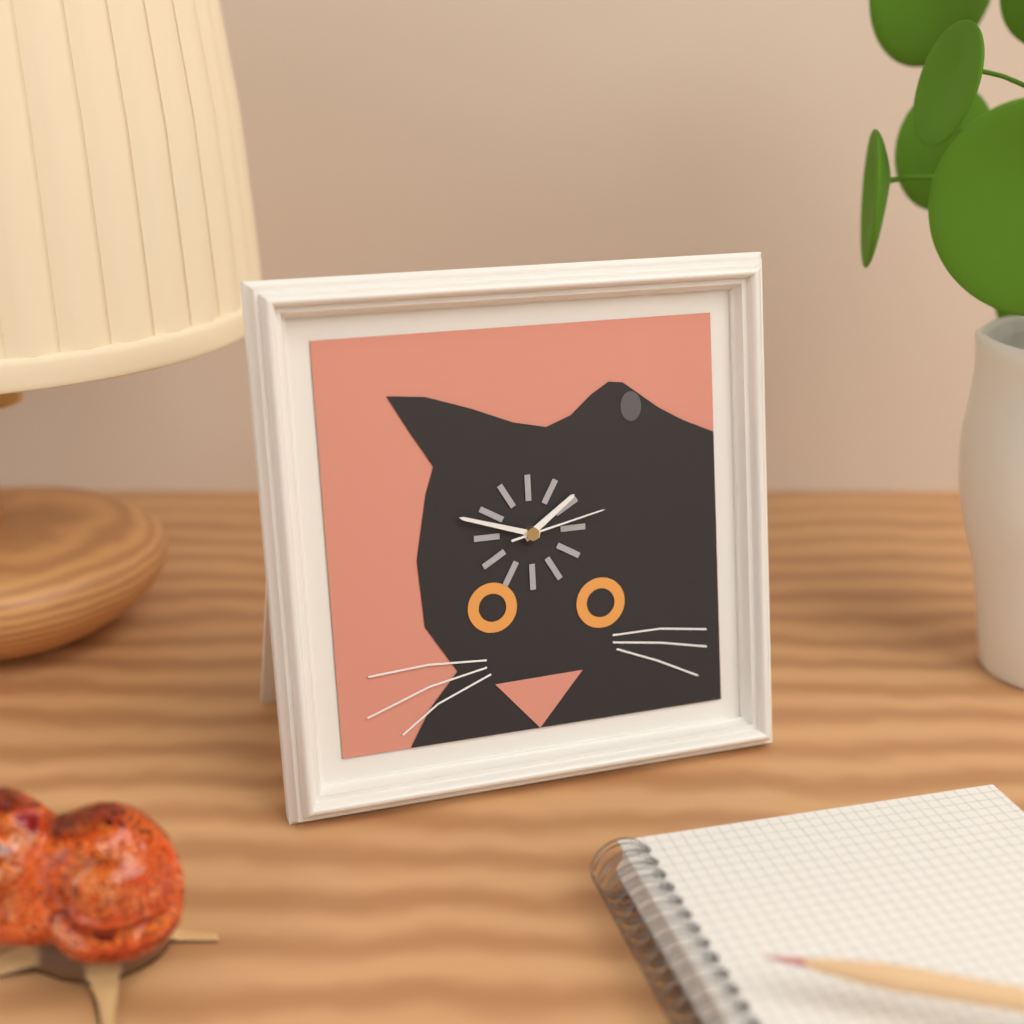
1:48:13
